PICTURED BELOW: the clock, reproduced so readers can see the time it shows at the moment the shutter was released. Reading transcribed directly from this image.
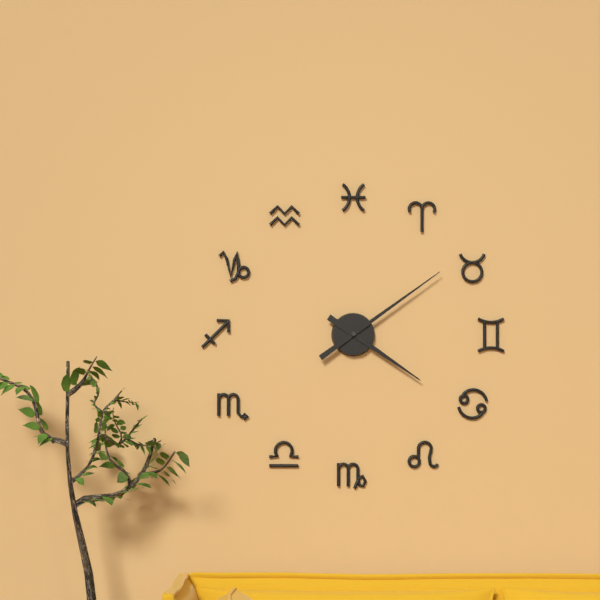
4:09
